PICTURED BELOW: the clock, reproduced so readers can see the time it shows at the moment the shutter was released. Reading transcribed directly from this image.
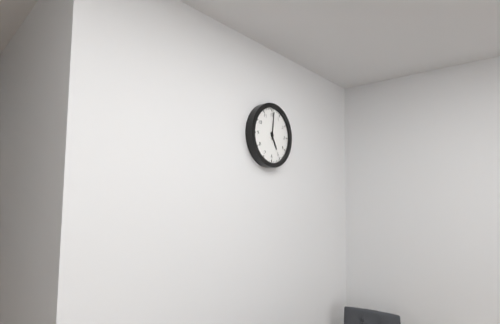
5:01
